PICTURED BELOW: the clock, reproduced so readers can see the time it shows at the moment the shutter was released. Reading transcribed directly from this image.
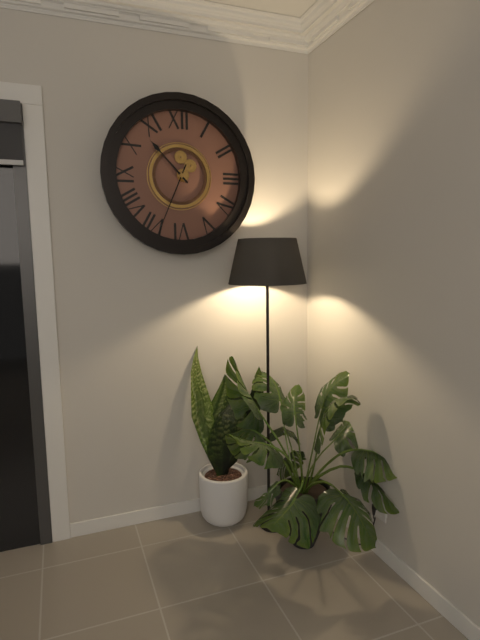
10:34
